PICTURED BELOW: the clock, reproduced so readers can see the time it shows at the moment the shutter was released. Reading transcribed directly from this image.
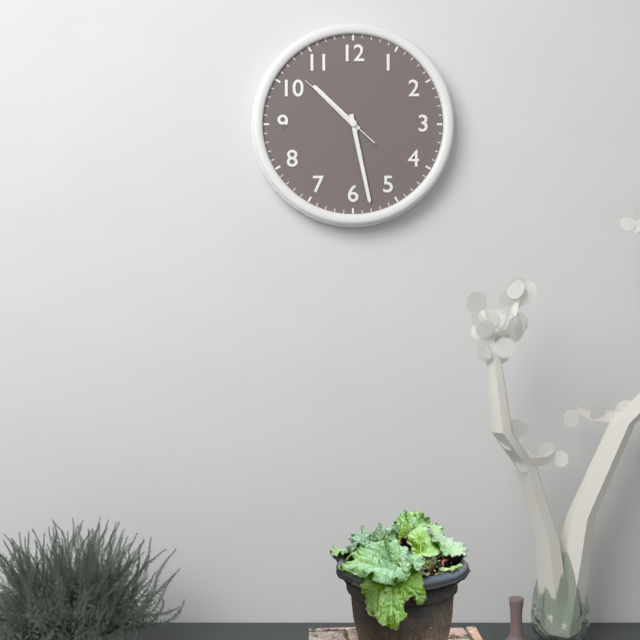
10:28:52
